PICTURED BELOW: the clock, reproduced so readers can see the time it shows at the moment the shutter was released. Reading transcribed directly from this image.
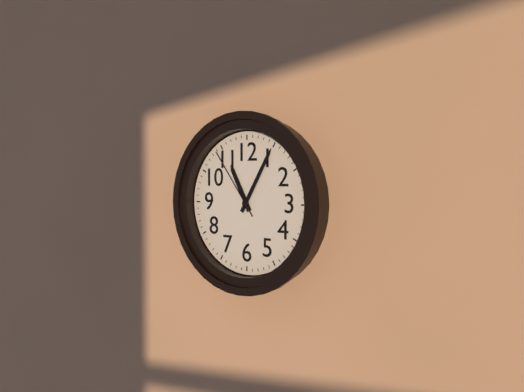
11:05:54
